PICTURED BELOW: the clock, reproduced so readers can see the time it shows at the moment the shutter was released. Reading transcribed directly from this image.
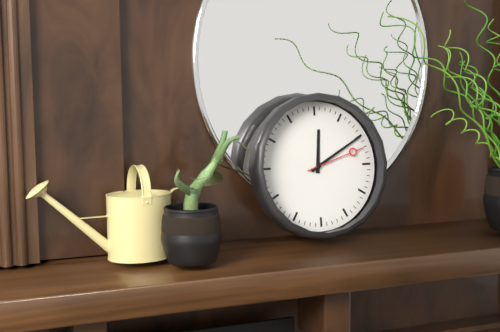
12:10:12
